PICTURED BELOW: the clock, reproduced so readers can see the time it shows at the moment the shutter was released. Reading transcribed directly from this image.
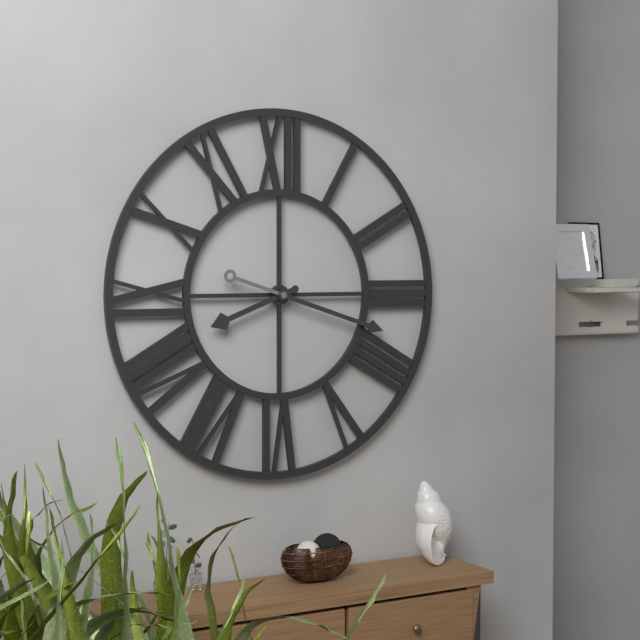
8:18
